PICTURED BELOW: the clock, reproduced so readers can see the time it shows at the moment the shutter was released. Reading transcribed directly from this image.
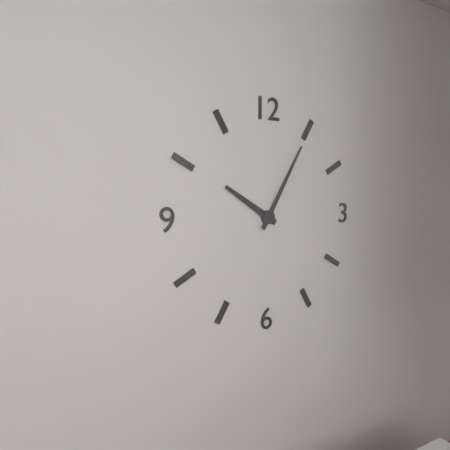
10:05
